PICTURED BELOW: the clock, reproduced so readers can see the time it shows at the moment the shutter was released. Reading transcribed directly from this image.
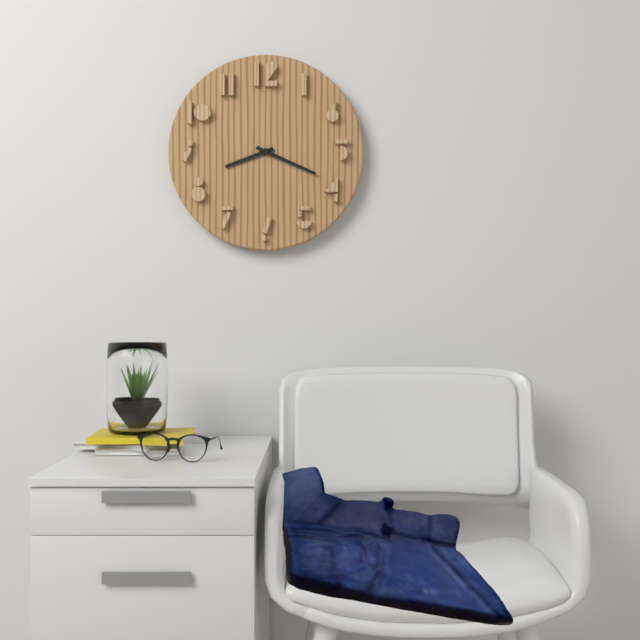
8:19
